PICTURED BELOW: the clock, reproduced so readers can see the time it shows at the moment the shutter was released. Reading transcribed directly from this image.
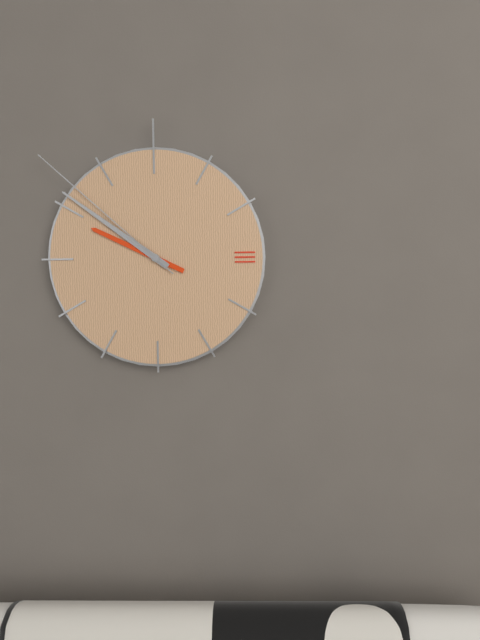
9:51:52
